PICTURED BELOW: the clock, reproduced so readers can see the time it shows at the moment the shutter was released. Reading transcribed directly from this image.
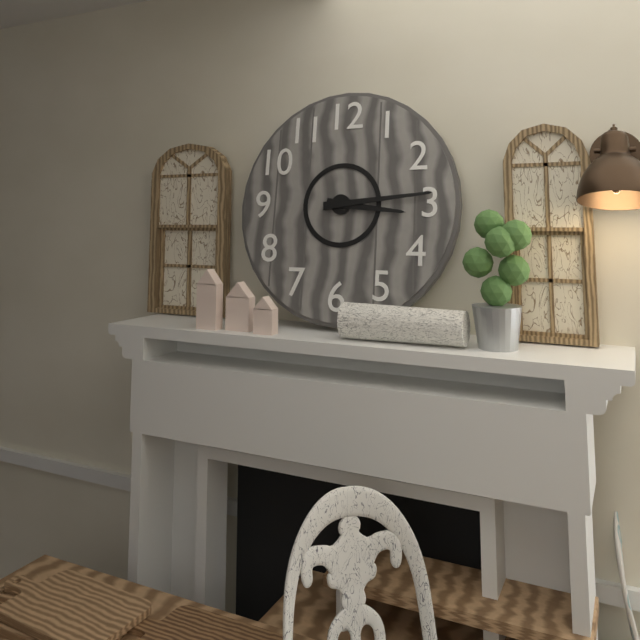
3:14
